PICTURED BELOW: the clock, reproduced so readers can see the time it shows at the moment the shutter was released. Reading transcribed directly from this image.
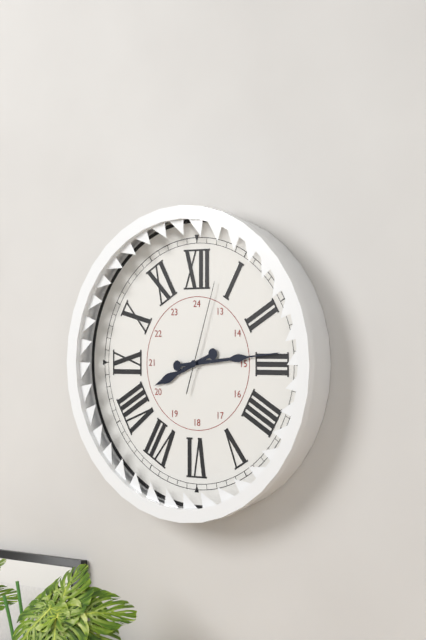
8:14:03
